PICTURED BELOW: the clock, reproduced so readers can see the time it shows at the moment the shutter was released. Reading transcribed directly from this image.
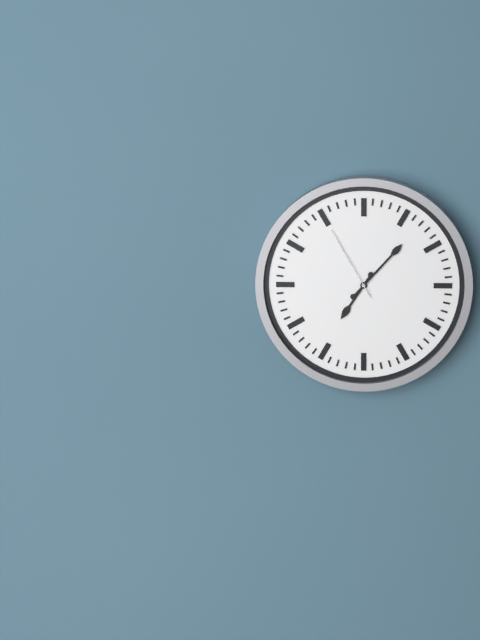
7:07:55
